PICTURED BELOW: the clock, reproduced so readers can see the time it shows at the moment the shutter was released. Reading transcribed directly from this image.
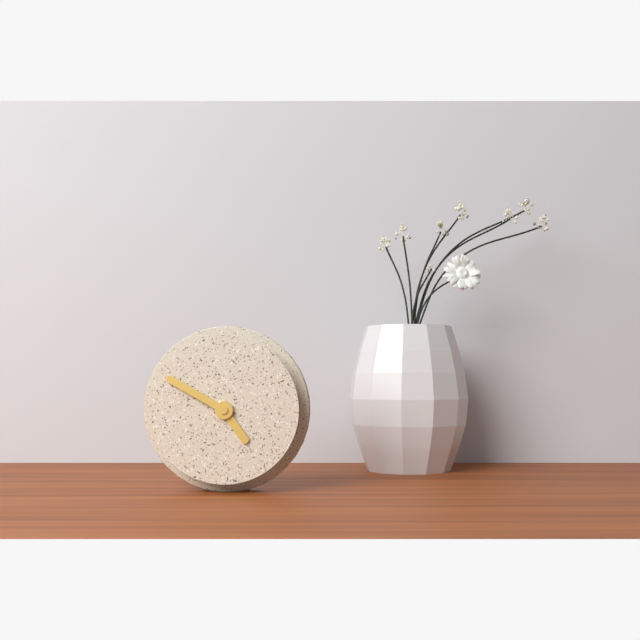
4:50
